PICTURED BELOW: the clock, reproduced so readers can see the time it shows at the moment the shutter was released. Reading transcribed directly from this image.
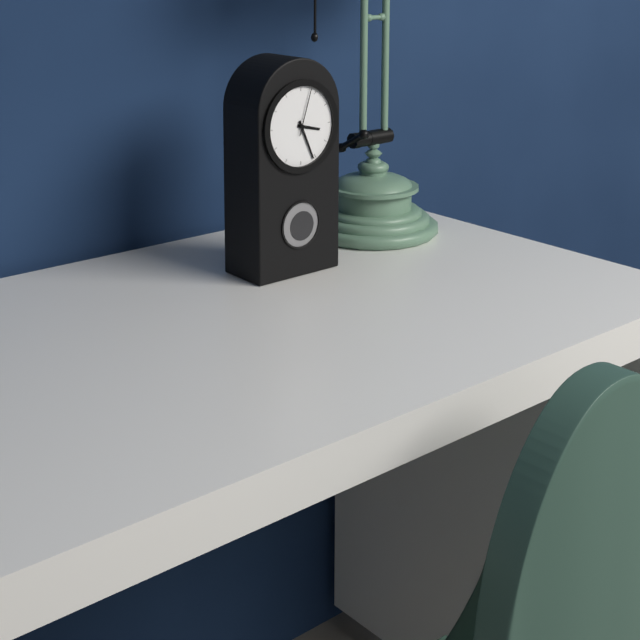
3:26
